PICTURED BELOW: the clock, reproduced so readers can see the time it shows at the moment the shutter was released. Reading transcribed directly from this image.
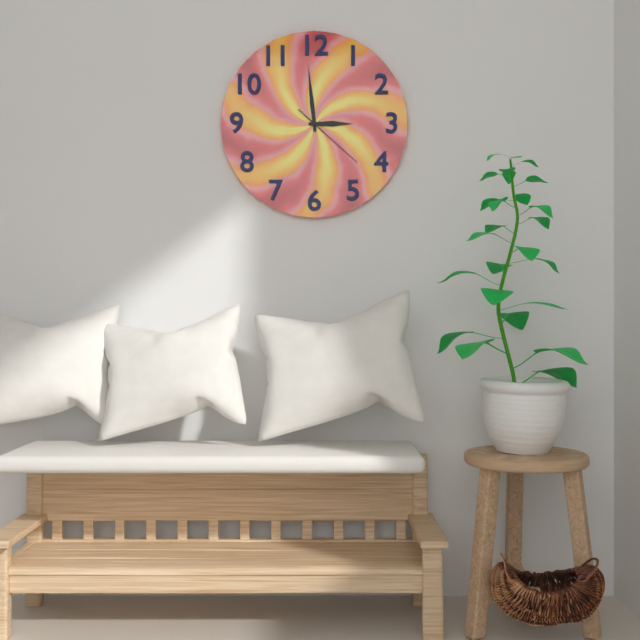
2:59:22
